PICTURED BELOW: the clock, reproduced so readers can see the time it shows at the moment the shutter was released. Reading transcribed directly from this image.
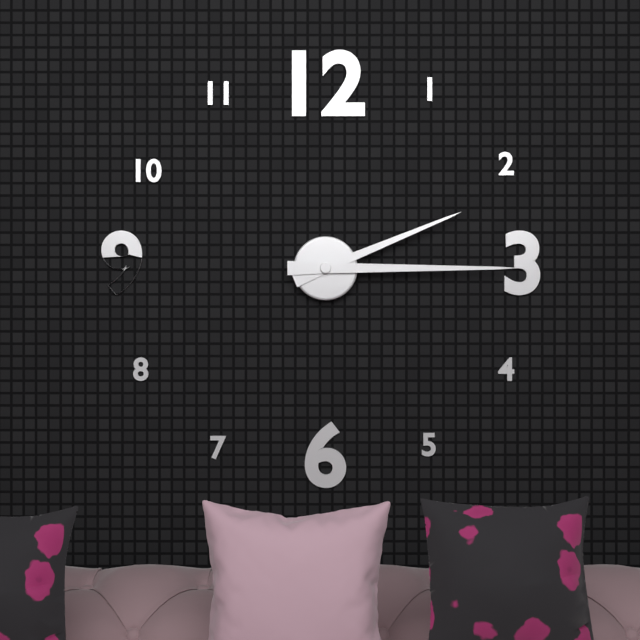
2:15
